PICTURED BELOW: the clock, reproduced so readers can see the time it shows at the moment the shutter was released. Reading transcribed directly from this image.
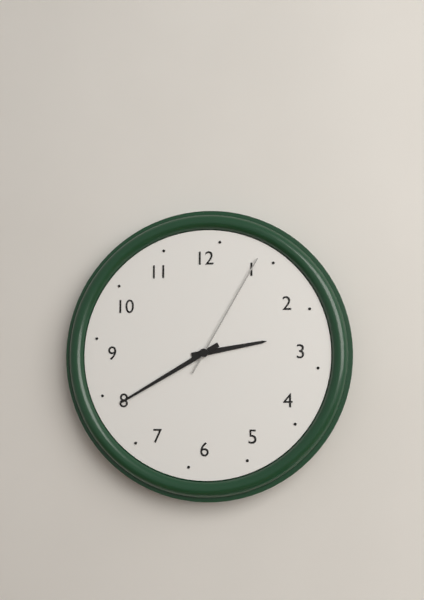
2:40:05
